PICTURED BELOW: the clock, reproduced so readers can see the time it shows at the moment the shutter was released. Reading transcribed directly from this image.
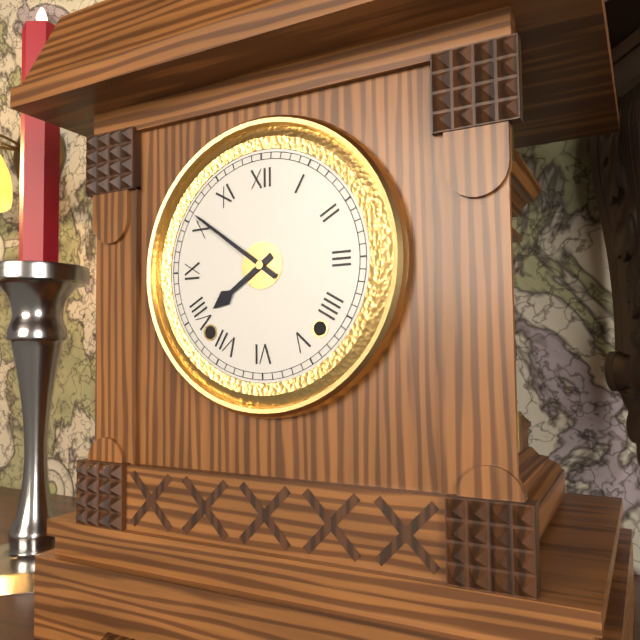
7:51
